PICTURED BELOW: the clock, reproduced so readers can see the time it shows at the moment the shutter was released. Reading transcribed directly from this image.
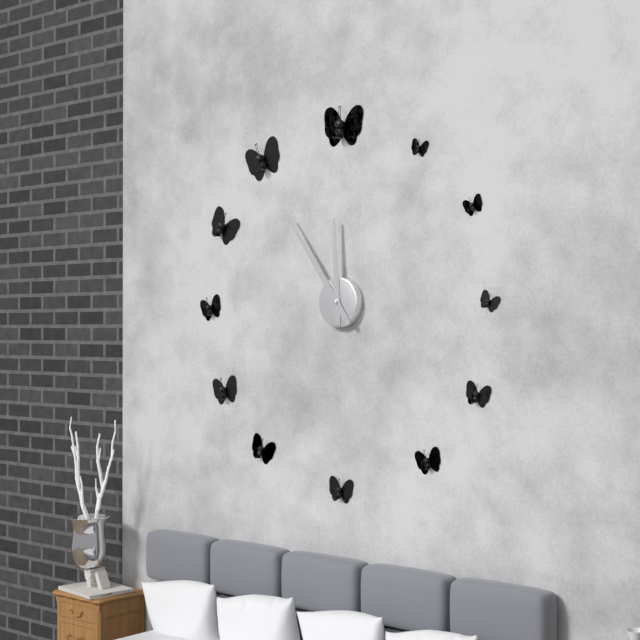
11:54
